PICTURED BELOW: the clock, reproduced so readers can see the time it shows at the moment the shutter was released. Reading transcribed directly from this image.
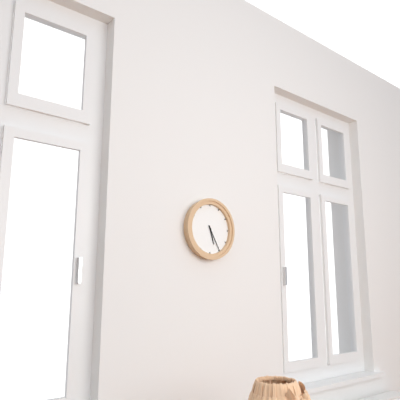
5:25
